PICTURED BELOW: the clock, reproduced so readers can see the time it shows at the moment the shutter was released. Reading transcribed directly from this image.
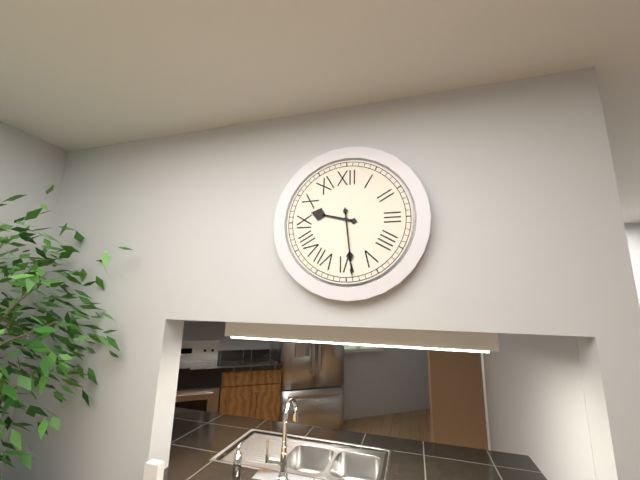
9:29
